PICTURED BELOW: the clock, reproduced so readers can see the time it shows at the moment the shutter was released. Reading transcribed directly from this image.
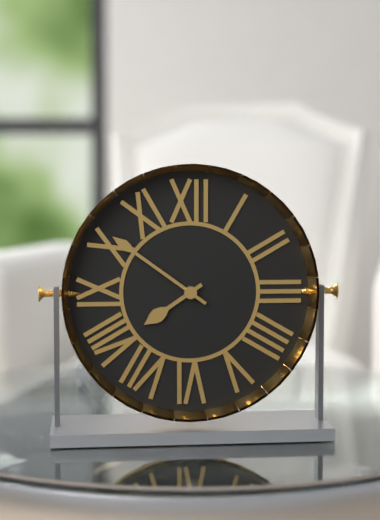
7:51
